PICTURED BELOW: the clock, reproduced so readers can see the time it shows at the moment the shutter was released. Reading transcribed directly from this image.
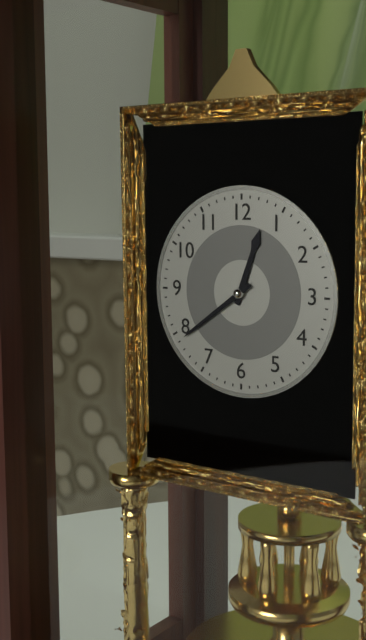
12:39
